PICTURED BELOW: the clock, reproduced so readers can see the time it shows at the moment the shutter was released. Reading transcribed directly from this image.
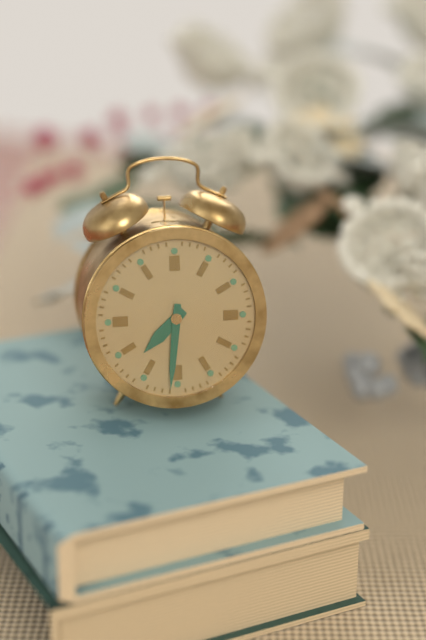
7:31
